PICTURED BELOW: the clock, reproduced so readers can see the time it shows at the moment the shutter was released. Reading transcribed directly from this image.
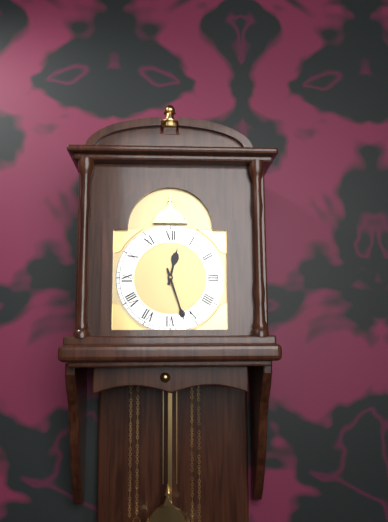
12:27
